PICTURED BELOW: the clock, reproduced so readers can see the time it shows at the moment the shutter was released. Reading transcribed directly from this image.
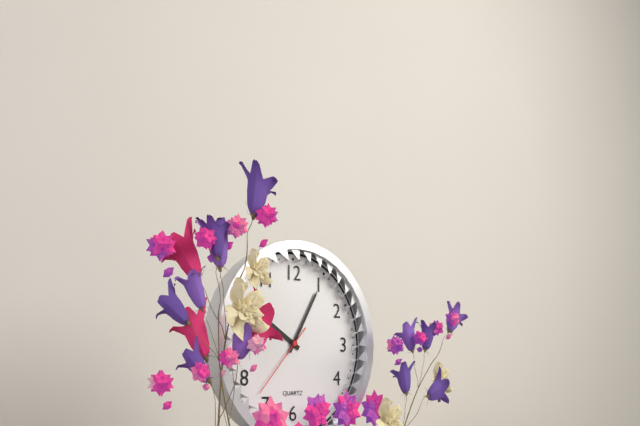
10:05:37
